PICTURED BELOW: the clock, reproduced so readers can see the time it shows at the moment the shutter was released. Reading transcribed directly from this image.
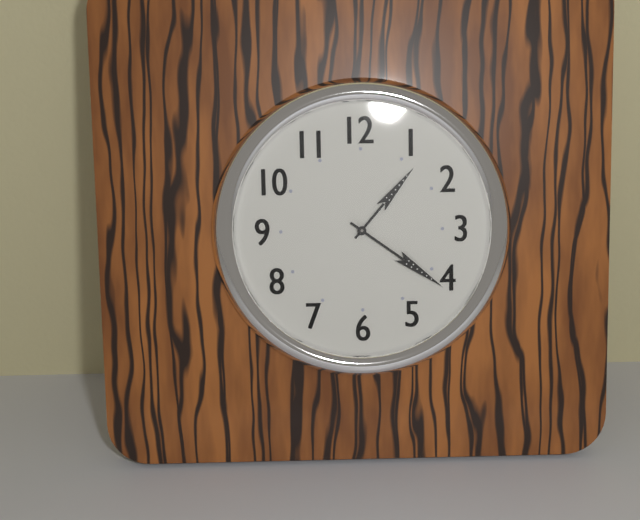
1:21
